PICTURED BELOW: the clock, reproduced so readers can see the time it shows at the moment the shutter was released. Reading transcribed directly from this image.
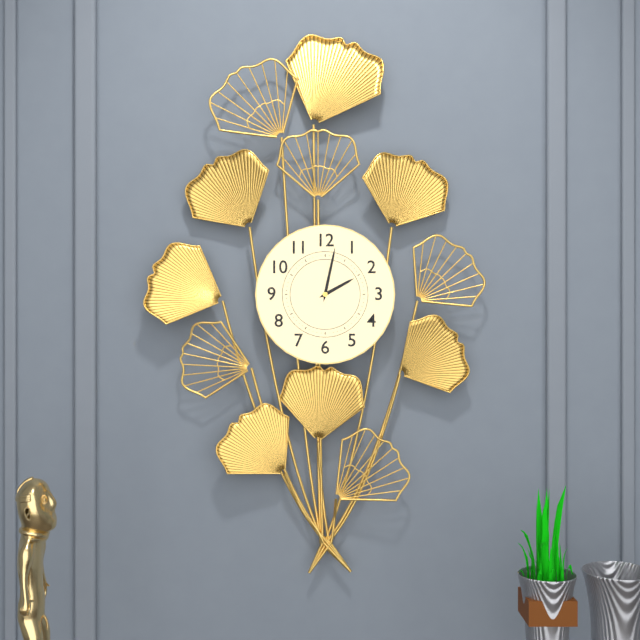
2:02
